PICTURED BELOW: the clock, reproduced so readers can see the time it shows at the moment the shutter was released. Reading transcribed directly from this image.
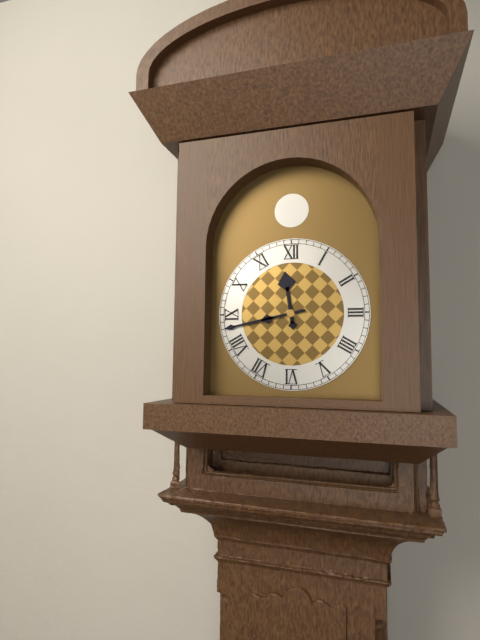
11:43
